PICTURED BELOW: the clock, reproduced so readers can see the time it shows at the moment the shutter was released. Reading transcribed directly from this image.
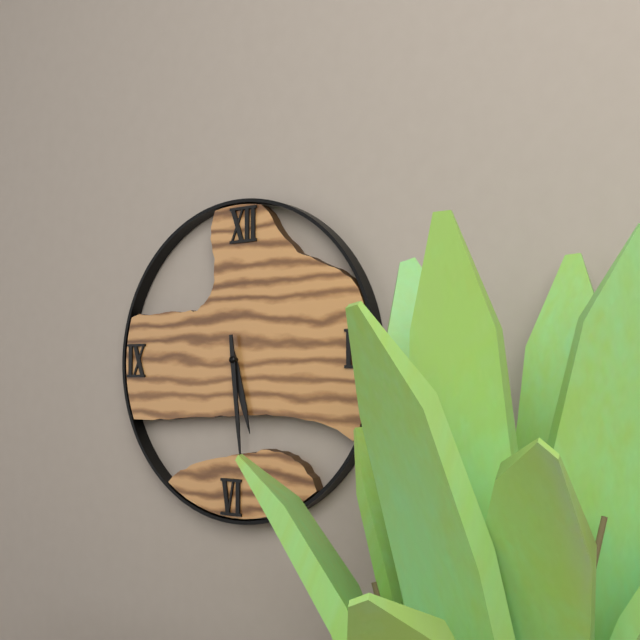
5:29
